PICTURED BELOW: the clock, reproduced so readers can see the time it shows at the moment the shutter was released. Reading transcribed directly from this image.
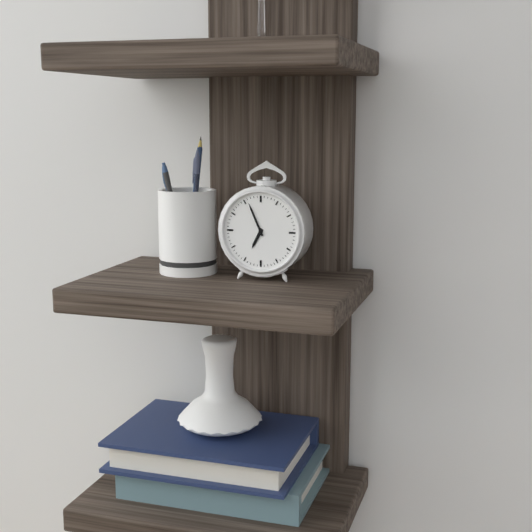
6:56
